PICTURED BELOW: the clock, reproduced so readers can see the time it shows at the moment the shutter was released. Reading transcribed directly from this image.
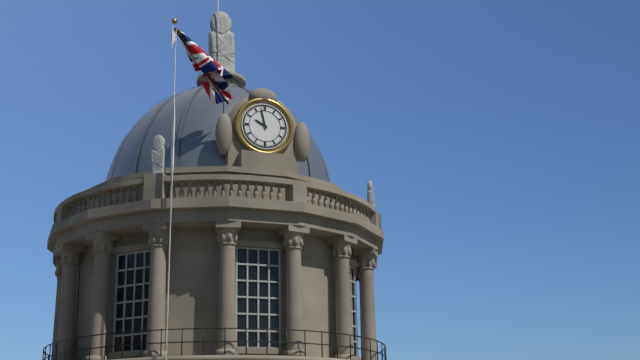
9:58
